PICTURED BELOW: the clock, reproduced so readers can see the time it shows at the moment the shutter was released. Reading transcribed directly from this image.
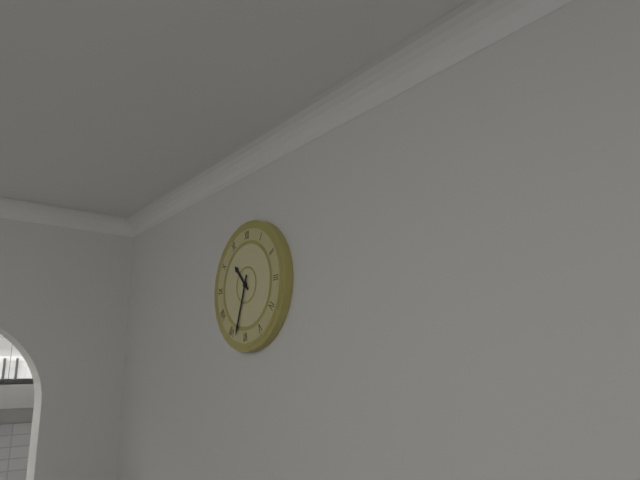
10:33
